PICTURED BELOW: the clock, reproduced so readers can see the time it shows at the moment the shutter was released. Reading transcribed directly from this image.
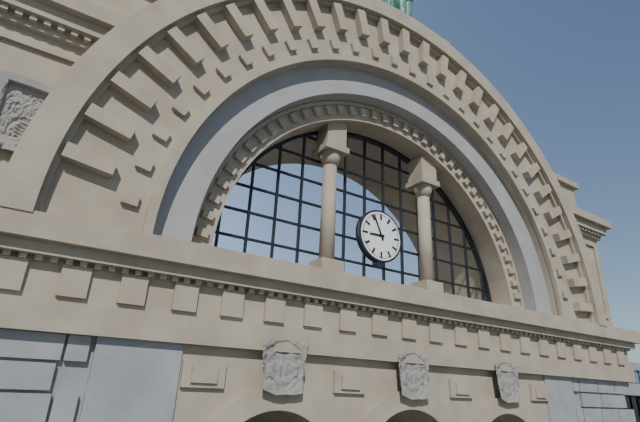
8:56
